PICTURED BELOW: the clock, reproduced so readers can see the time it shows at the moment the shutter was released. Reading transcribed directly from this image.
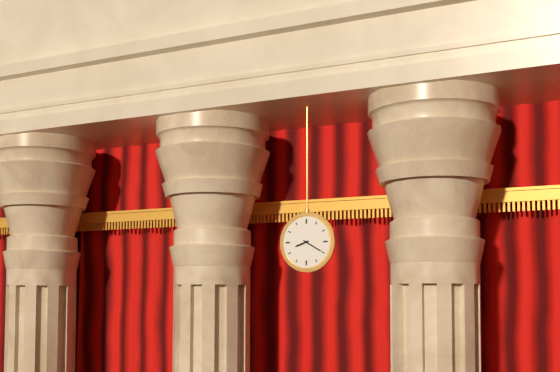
8:20
